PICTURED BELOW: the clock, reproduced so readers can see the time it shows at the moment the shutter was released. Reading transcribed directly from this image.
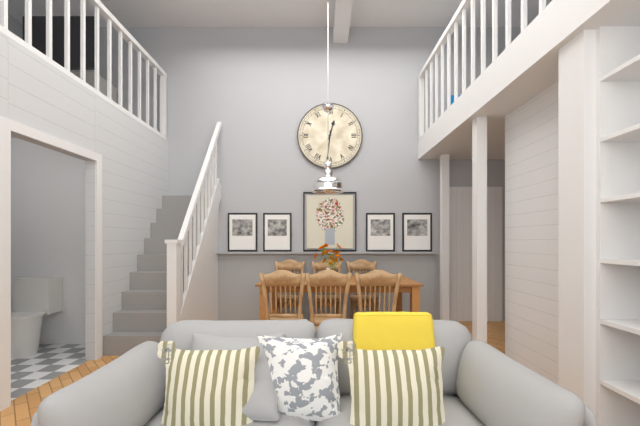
12:31
